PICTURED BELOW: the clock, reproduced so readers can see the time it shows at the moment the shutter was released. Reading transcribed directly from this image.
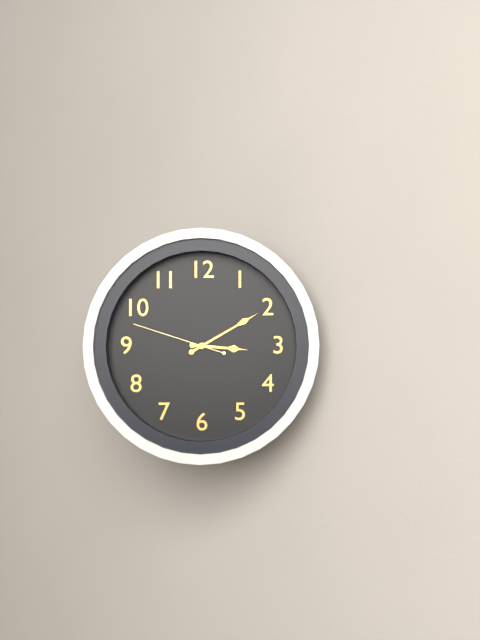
3:10:48
